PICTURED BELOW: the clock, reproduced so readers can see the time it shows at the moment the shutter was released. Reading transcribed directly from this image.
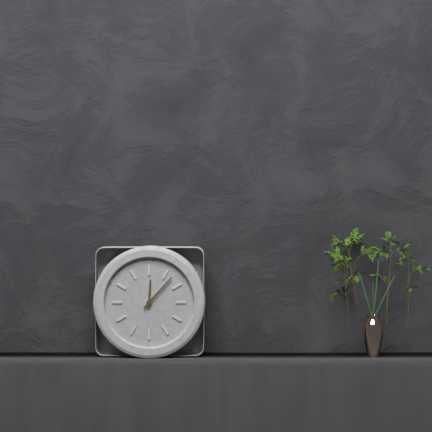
12:07
